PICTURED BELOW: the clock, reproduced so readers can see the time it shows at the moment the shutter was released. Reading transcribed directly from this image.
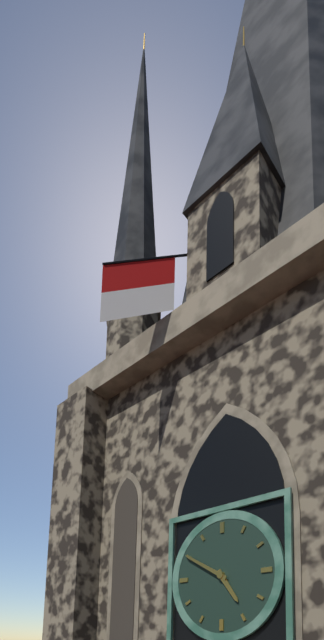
4:50
